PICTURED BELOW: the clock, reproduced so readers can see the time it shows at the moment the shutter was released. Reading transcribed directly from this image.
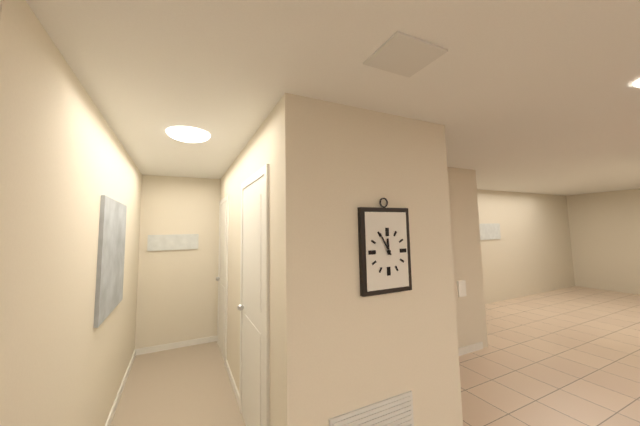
11:55
